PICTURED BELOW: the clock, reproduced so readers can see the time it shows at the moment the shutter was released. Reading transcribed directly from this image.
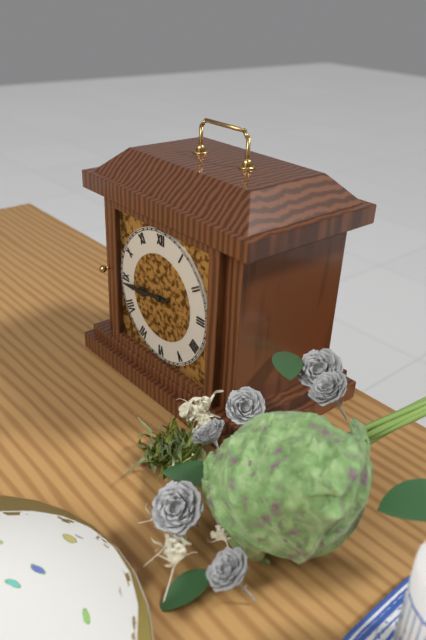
8:44
